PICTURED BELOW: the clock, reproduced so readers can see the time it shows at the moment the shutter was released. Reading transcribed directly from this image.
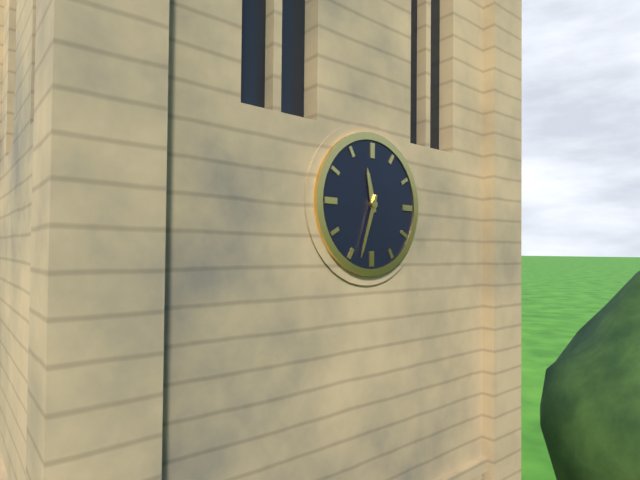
11:33
